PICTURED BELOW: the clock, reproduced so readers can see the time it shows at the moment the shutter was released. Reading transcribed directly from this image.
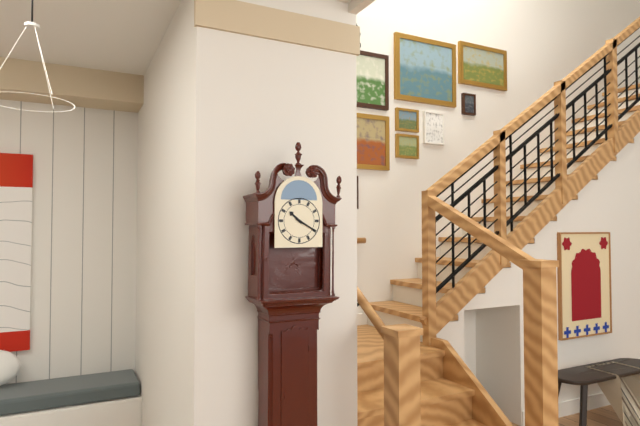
10:20
